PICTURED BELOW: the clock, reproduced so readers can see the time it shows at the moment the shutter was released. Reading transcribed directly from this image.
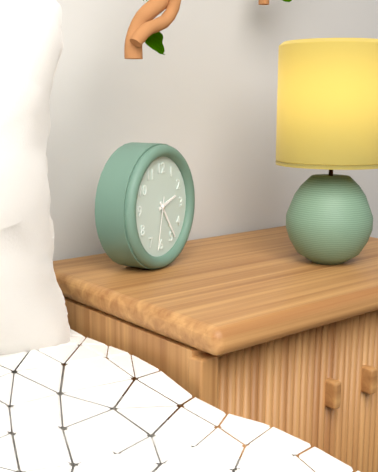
2:24:32
